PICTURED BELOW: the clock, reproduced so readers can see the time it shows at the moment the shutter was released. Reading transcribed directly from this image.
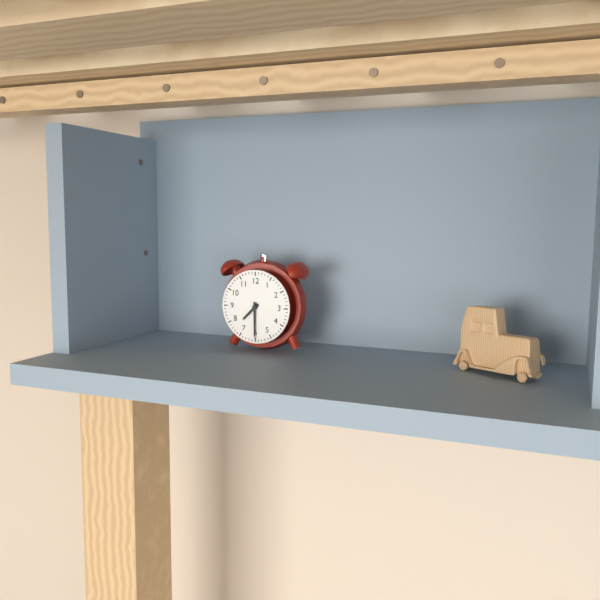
7:30
